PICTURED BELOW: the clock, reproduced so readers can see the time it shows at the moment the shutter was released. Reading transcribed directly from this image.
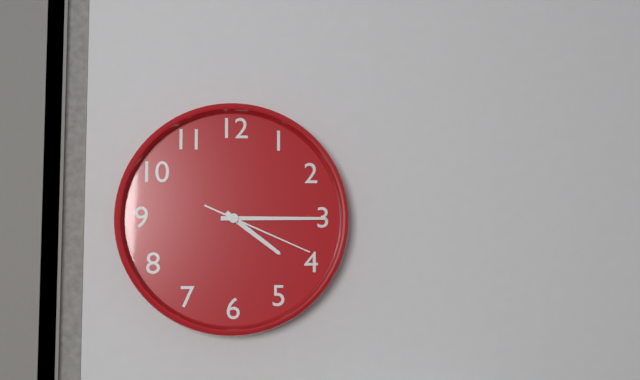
4:15:19
